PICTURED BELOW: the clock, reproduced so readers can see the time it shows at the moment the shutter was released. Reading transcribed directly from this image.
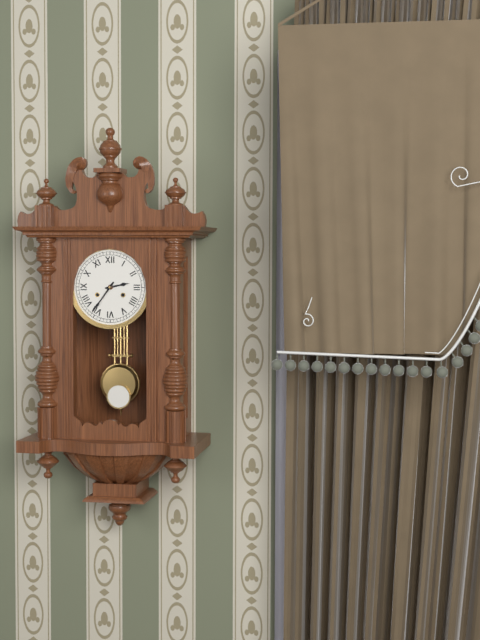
2:36
